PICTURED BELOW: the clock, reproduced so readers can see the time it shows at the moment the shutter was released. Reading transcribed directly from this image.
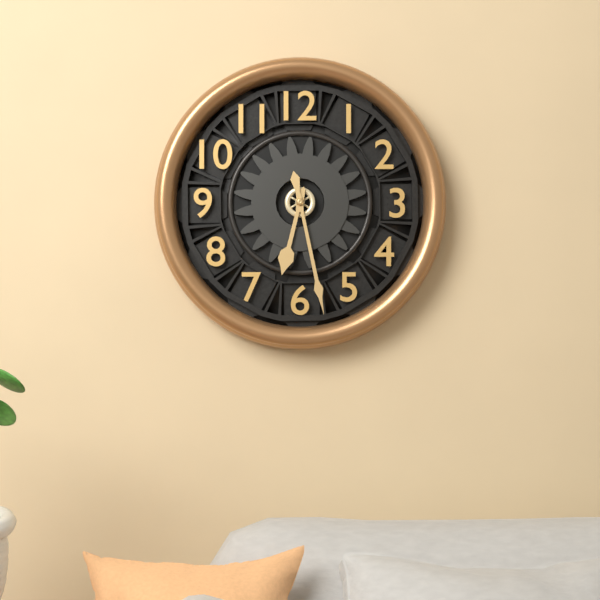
6:28
